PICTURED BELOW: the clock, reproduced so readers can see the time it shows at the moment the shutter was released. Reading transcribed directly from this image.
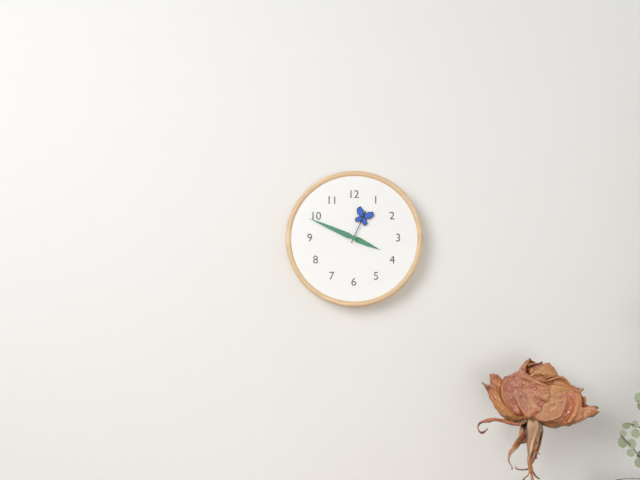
3:49
